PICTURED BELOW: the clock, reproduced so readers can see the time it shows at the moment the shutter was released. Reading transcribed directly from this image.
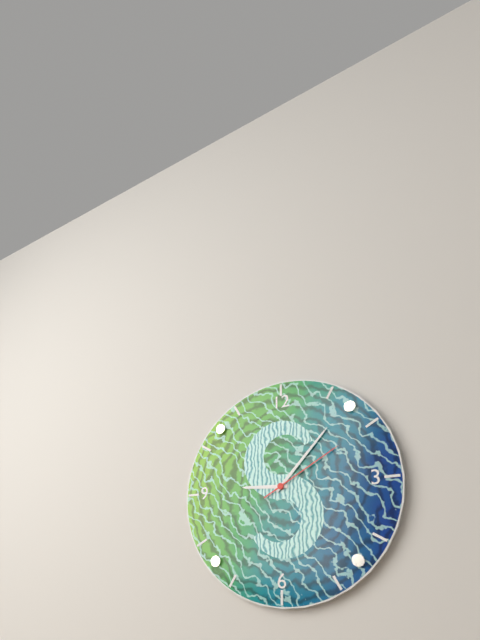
9:07:10
